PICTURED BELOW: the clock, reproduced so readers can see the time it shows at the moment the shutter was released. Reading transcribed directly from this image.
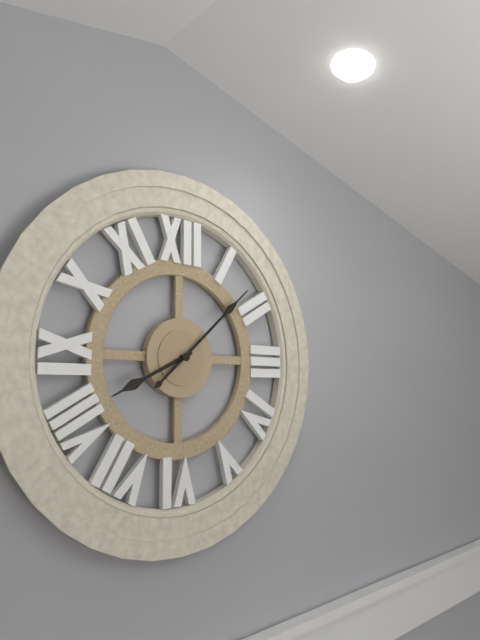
8:08
